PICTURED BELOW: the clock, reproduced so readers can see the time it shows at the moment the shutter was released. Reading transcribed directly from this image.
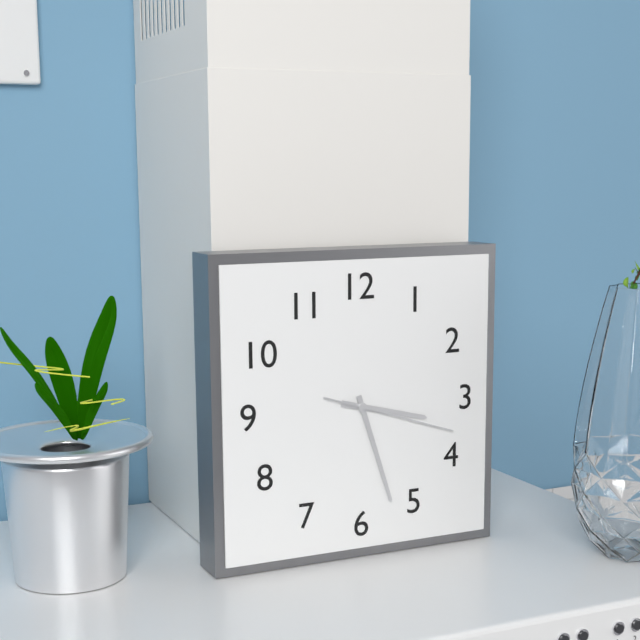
3:27:18
